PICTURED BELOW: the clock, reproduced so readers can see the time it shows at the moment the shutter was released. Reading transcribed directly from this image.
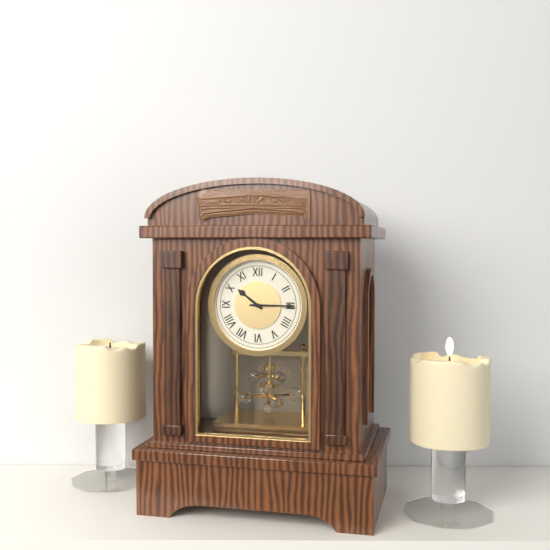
10:15
